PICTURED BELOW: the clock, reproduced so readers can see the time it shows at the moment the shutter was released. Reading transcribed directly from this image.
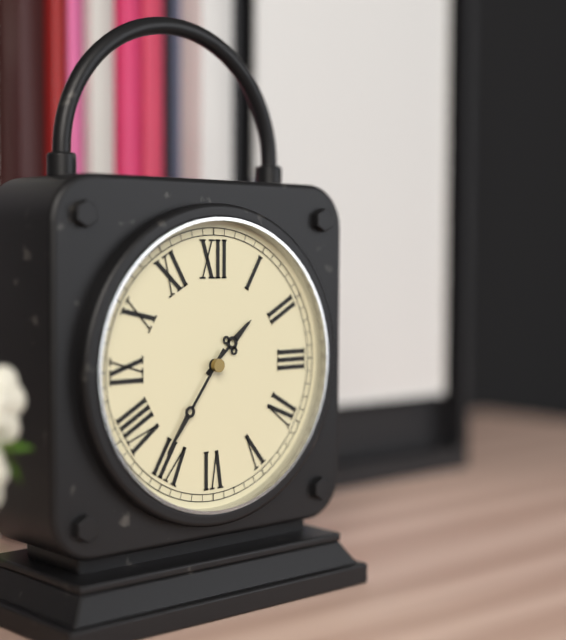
1:36
